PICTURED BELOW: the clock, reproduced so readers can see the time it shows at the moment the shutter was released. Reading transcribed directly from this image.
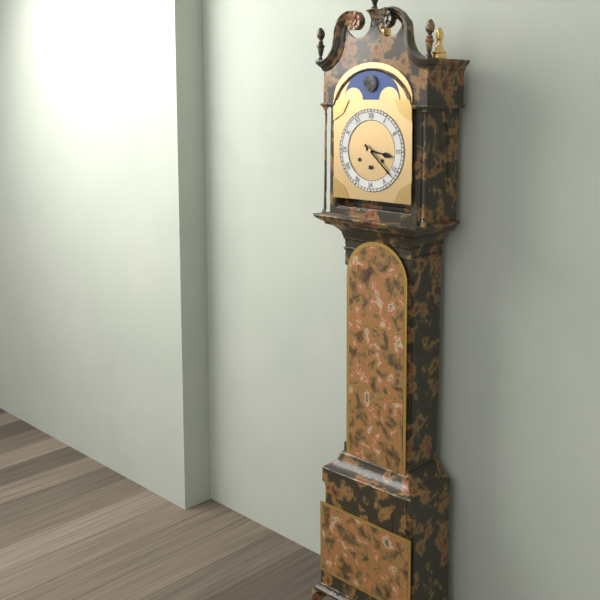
3:22
